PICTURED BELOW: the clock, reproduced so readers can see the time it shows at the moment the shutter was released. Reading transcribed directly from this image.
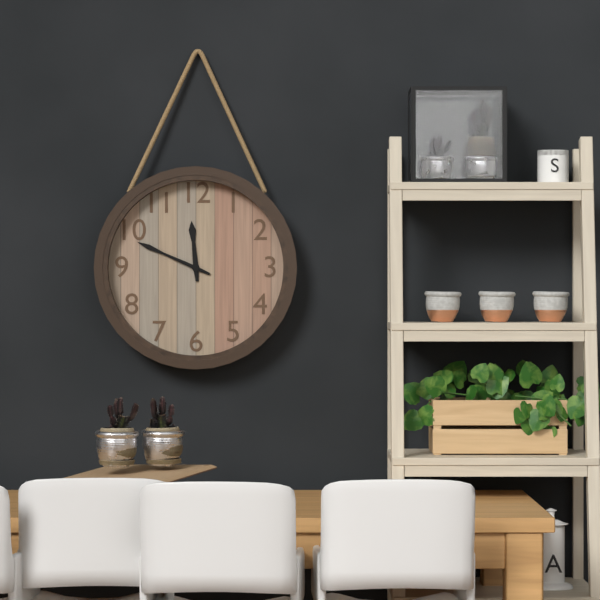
11:49
